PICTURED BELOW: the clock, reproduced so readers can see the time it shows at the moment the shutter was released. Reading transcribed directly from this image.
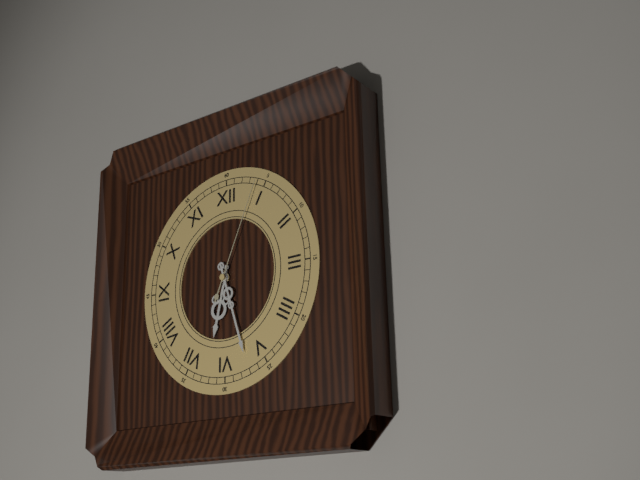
6:27:04
